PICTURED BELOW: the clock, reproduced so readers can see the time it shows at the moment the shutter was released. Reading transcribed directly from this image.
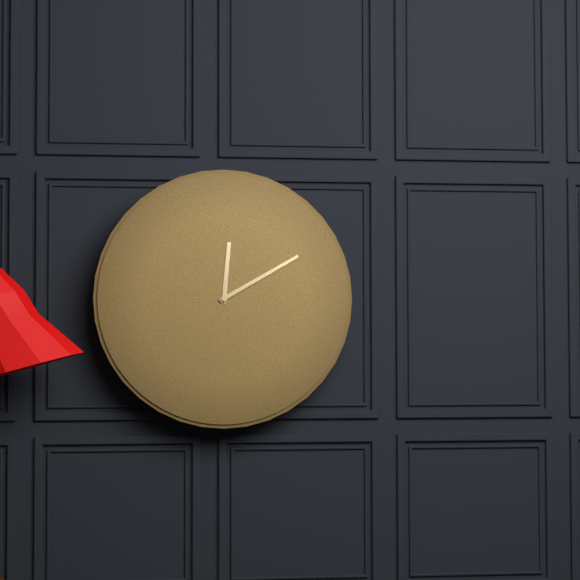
12:10
